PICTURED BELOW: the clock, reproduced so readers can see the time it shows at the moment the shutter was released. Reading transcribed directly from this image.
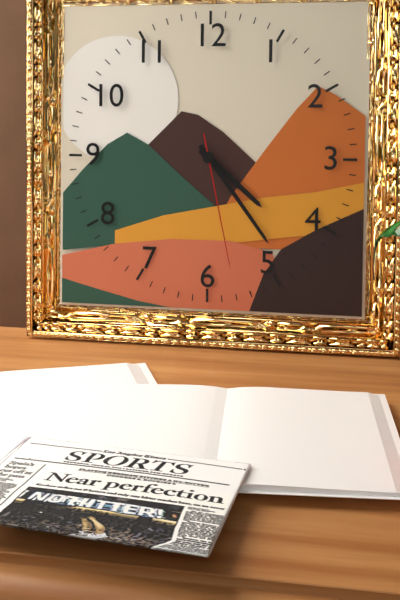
4:24:28
